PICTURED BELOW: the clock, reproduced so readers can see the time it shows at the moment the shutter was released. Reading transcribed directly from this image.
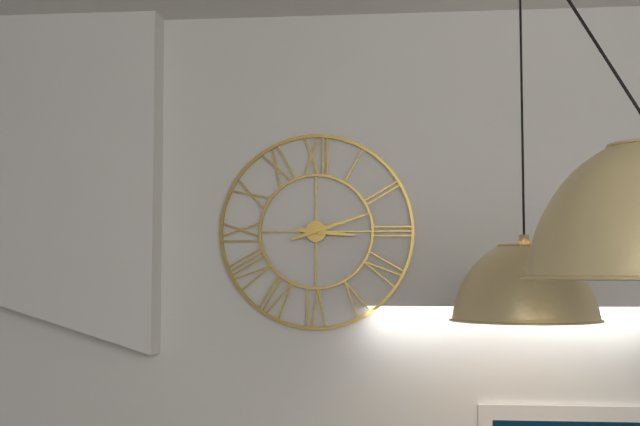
3:12
